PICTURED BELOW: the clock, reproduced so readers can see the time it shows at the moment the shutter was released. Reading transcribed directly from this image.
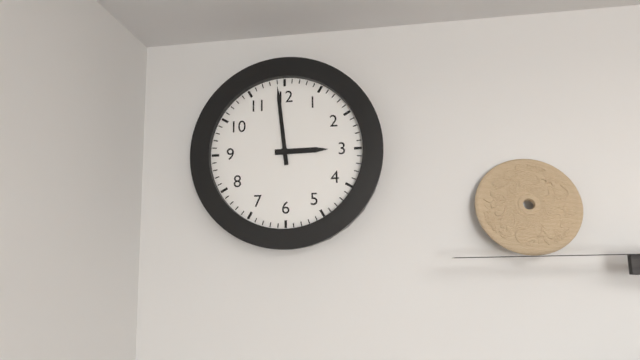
2:59
